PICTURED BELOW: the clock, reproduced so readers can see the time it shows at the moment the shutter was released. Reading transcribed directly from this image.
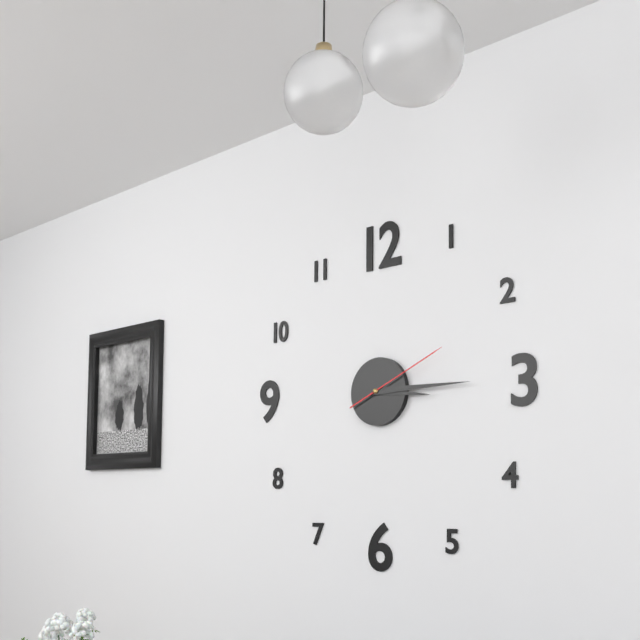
3:15:11
